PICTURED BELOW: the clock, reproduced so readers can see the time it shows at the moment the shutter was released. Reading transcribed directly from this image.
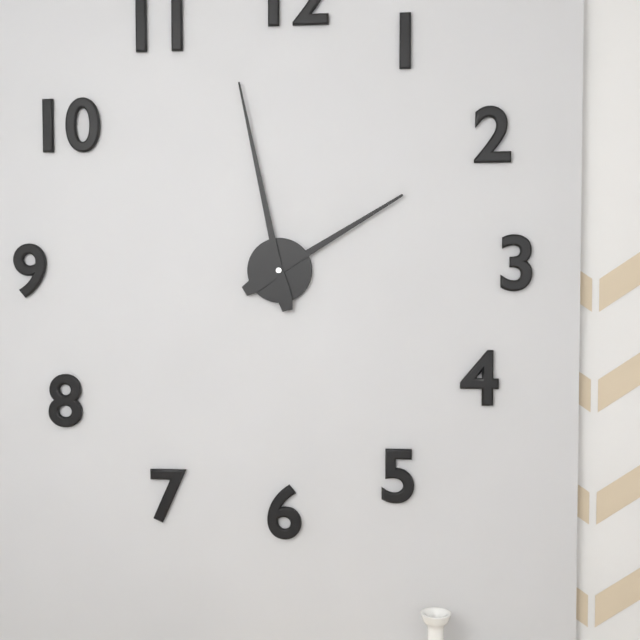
1:58
